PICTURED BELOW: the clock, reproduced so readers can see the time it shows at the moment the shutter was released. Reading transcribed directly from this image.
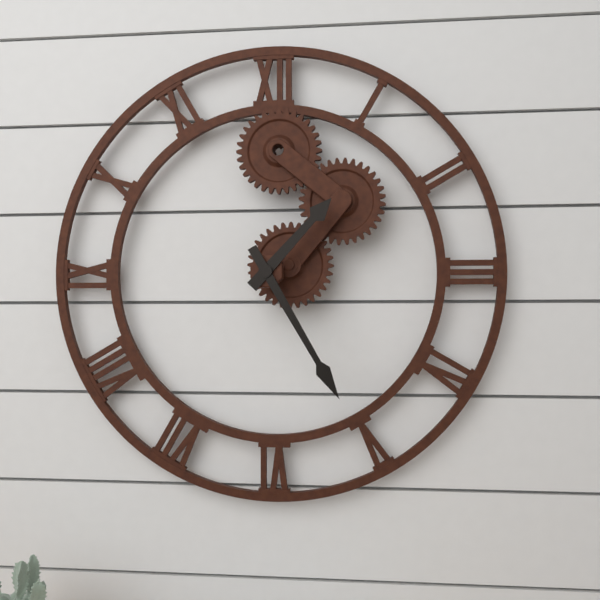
1:25
